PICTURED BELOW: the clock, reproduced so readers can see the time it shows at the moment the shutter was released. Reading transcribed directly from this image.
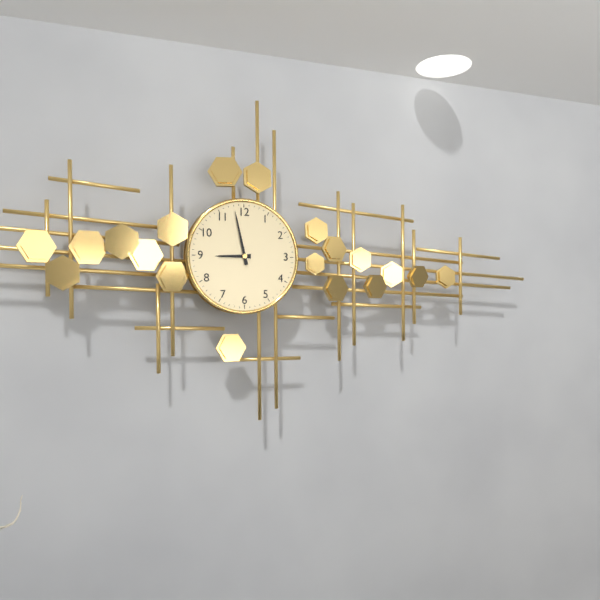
8:58
